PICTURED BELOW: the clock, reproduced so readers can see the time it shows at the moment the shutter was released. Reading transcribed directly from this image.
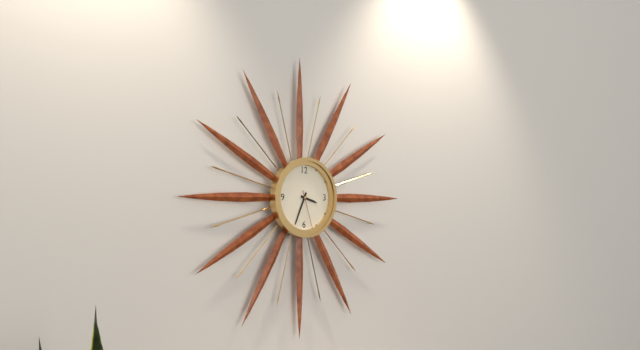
3:34
